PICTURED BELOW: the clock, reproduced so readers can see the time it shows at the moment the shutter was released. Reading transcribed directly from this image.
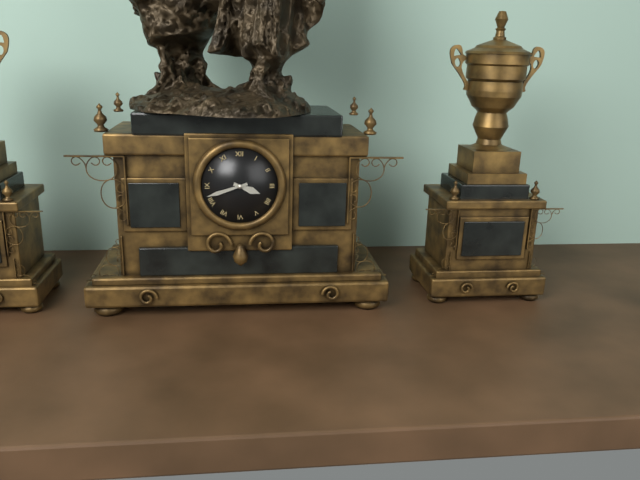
3:42
